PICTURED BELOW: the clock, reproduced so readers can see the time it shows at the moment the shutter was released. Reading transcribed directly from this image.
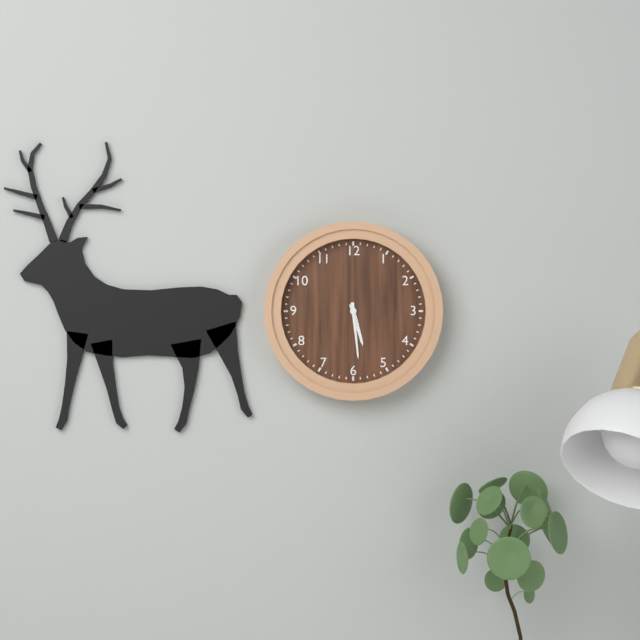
5:29
